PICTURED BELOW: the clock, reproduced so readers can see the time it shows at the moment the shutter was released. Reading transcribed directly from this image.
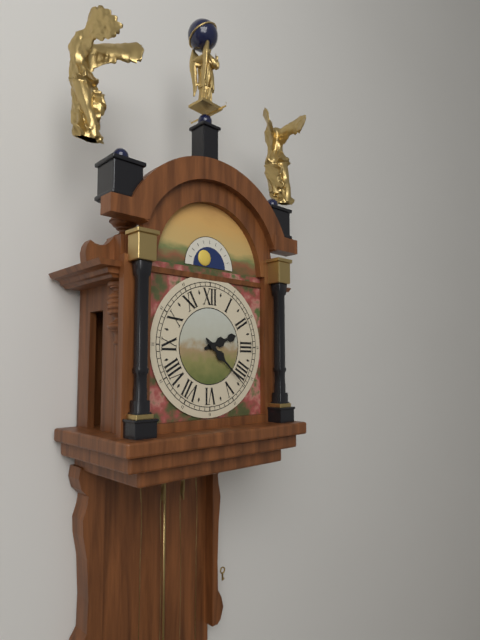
2:22
